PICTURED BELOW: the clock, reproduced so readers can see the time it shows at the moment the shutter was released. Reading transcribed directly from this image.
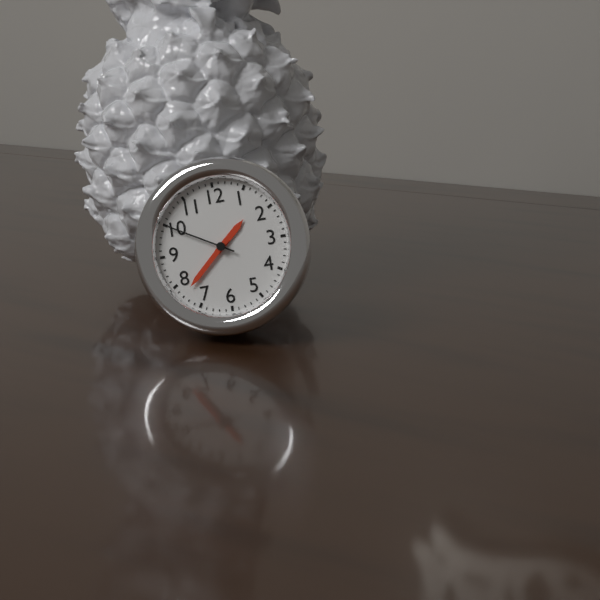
1:38:50
